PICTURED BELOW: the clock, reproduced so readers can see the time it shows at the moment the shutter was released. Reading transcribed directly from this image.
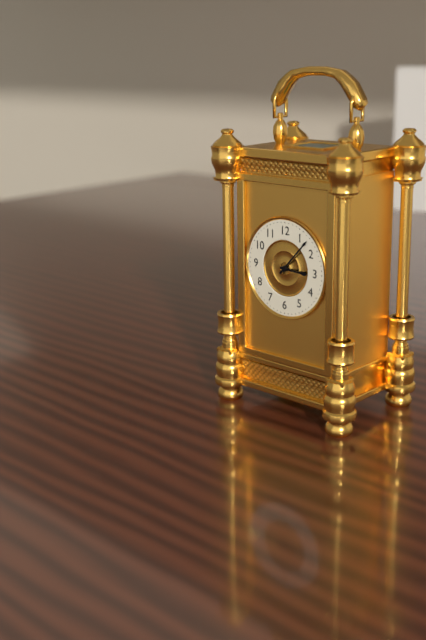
3:07
